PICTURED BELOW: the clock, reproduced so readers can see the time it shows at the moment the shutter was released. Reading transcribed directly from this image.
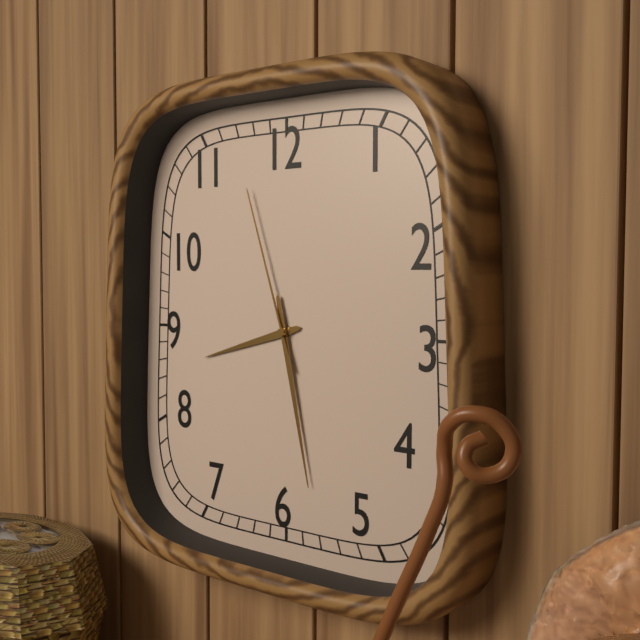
8:28:57
